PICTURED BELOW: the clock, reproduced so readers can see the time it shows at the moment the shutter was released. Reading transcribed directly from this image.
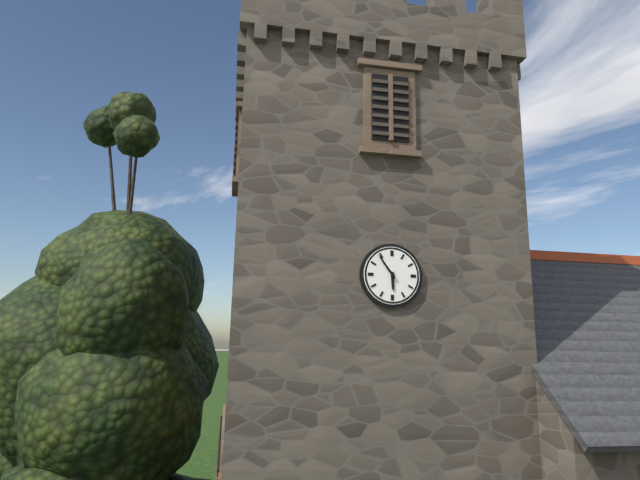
5:54
